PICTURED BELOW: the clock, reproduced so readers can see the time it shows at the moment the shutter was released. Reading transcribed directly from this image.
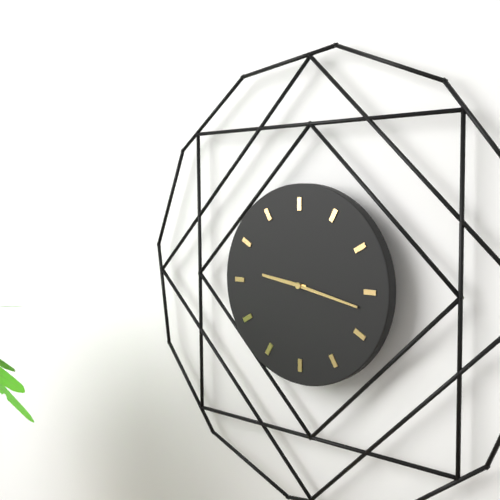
9:17
